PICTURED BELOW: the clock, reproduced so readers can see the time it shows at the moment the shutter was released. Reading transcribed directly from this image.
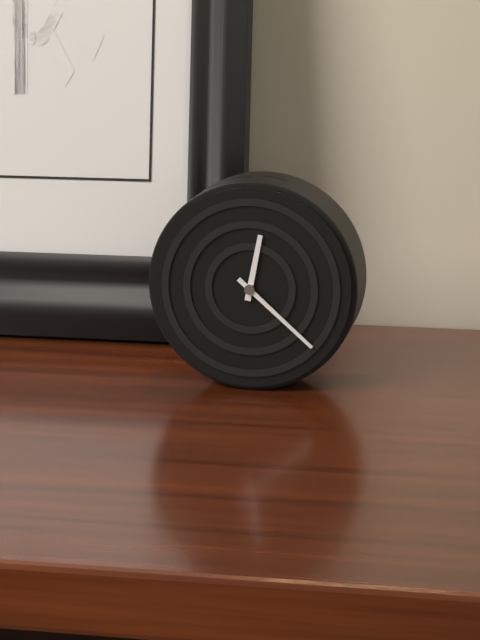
12:22
